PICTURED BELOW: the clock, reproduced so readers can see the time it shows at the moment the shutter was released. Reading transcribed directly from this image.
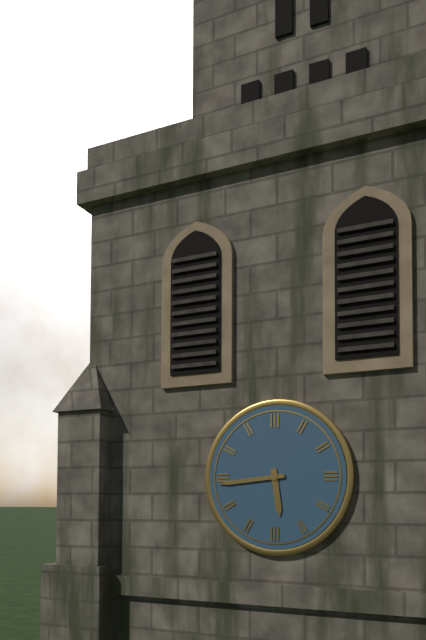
5:44
